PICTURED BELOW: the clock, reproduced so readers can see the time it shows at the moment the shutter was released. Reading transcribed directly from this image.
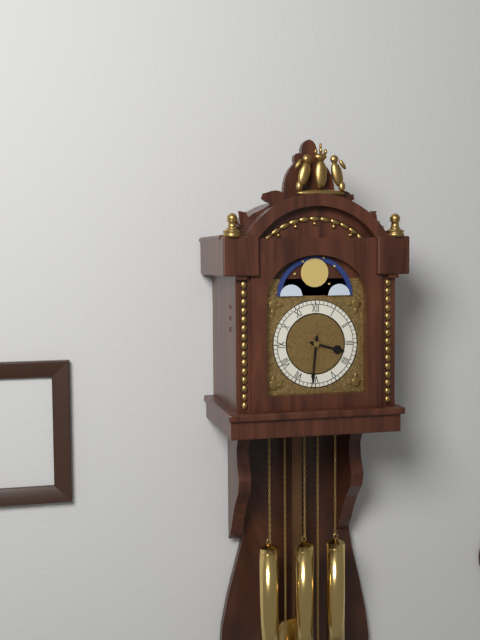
3:31
